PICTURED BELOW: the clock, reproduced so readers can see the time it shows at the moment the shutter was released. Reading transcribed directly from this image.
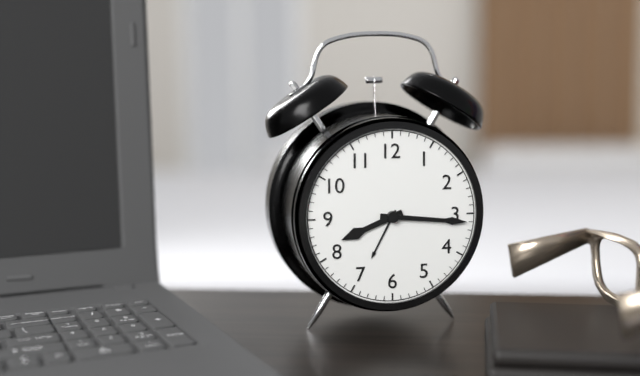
8:16
